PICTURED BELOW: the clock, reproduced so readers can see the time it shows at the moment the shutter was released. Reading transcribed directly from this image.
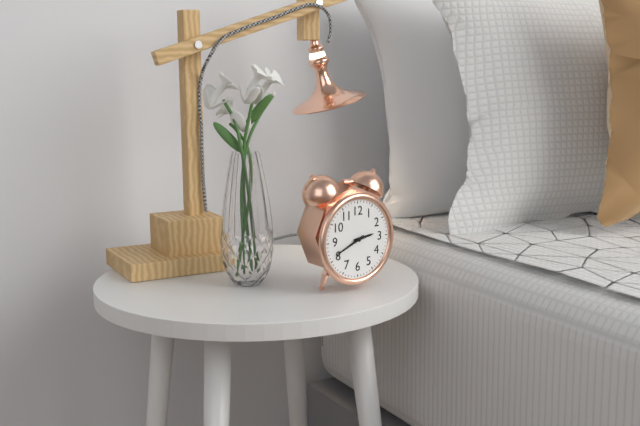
2:41
